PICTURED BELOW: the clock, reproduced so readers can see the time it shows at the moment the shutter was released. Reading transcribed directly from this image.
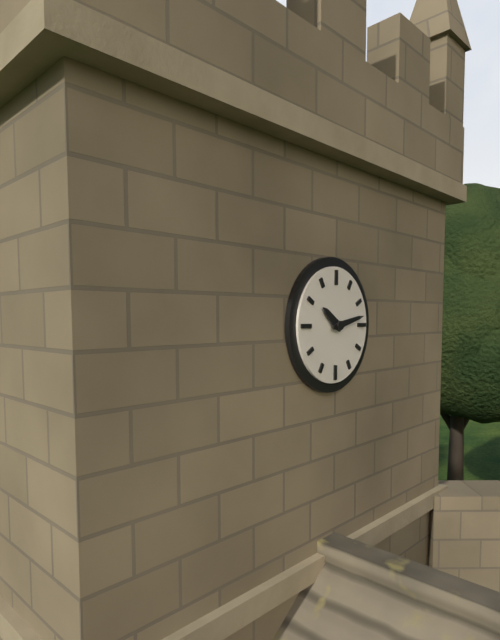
10:13
